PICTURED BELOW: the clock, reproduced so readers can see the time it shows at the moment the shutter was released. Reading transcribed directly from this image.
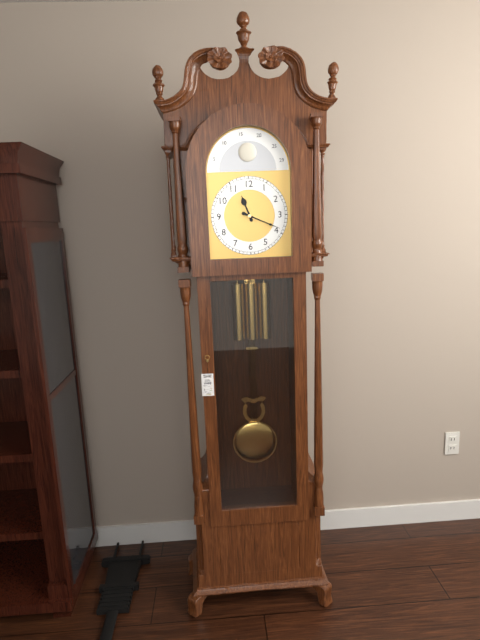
11:19
